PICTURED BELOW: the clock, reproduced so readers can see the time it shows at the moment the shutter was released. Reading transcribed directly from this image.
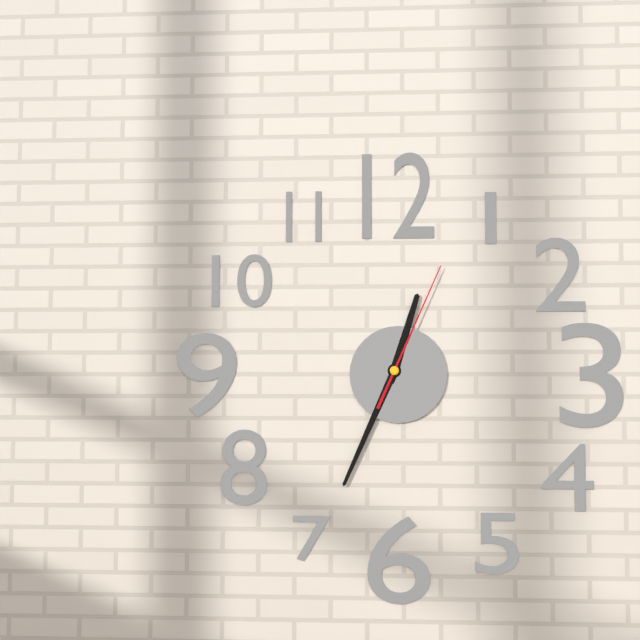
12:34:04
